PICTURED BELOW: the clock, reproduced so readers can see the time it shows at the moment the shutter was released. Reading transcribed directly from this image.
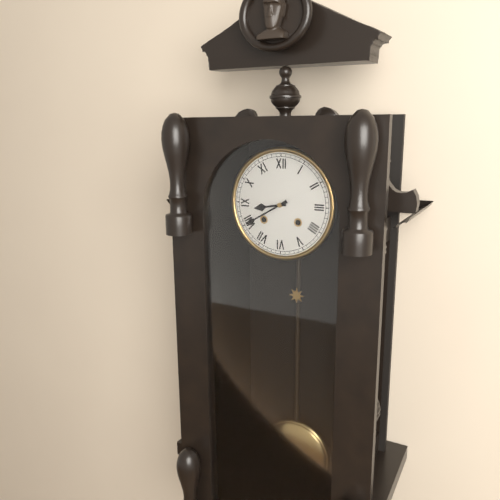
8:40
